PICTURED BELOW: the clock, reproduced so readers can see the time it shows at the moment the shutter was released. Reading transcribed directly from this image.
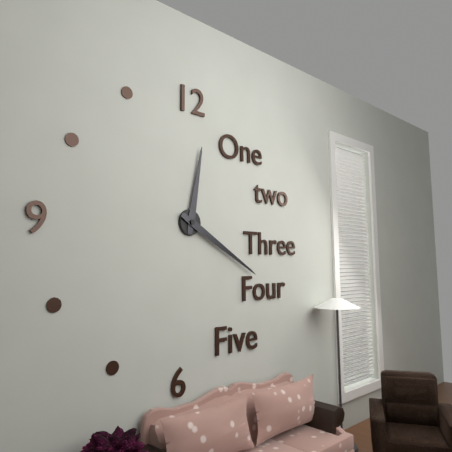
12:20
